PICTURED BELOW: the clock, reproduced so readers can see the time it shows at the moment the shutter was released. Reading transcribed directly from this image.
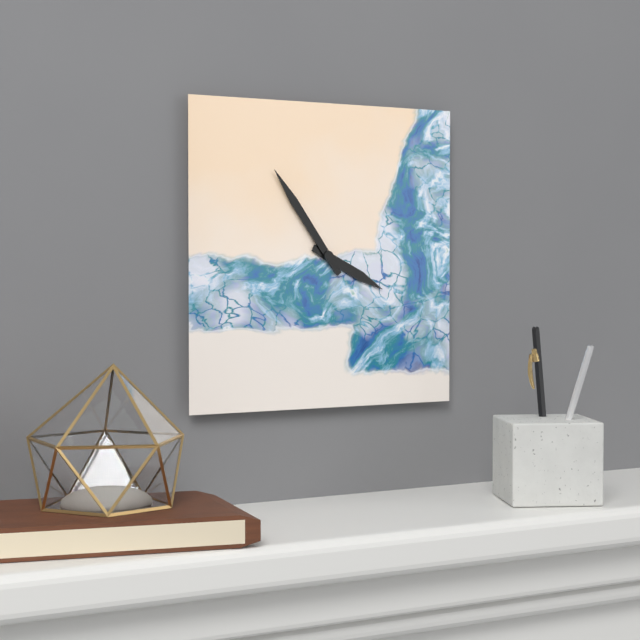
3:54
